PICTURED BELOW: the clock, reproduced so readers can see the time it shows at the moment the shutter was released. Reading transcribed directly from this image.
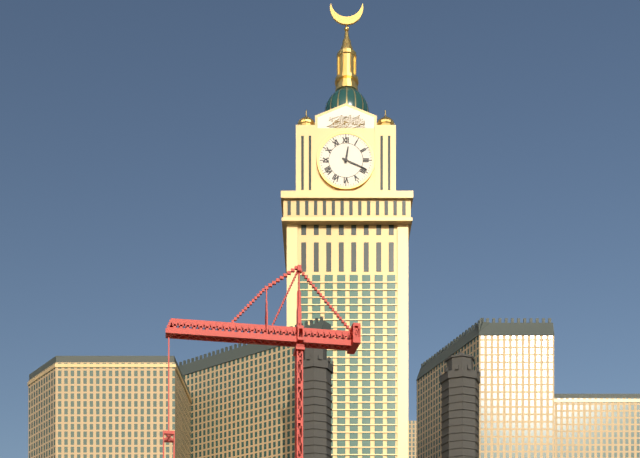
12:19
